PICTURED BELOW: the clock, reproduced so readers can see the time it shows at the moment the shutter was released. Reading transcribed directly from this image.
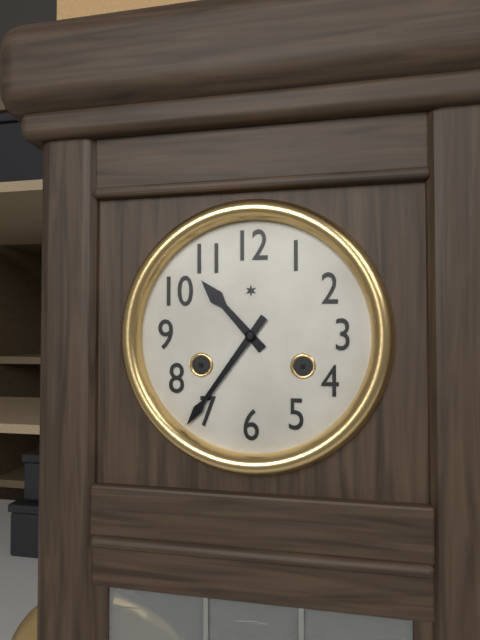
10:36
